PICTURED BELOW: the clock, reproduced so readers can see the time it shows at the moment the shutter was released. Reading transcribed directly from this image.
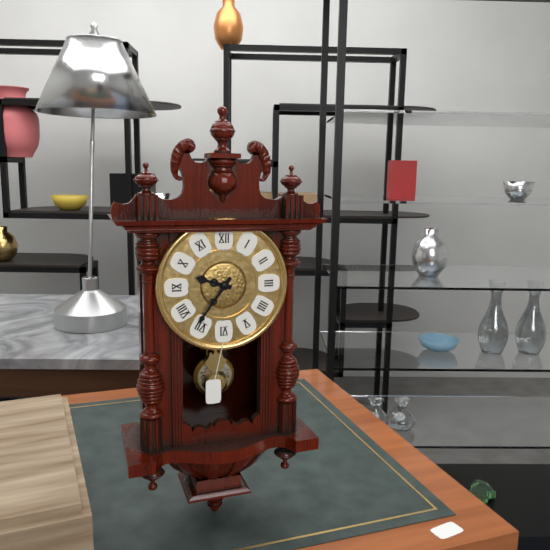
9:36
